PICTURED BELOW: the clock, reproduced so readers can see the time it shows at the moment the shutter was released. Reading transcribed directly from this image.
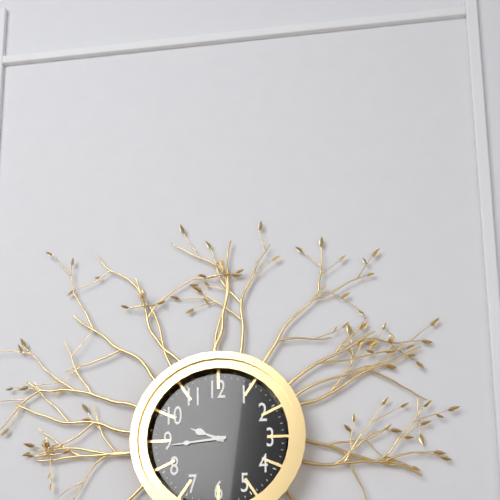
9:44
